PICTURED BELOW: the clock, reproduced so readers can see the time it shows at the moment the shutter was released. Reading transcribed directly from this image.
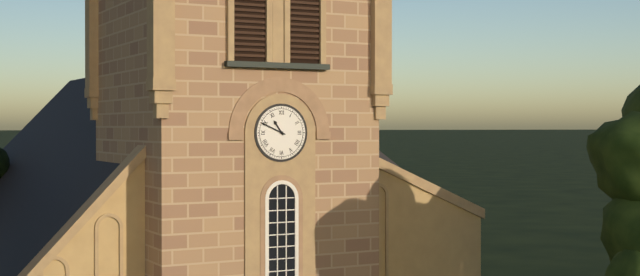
10:49
